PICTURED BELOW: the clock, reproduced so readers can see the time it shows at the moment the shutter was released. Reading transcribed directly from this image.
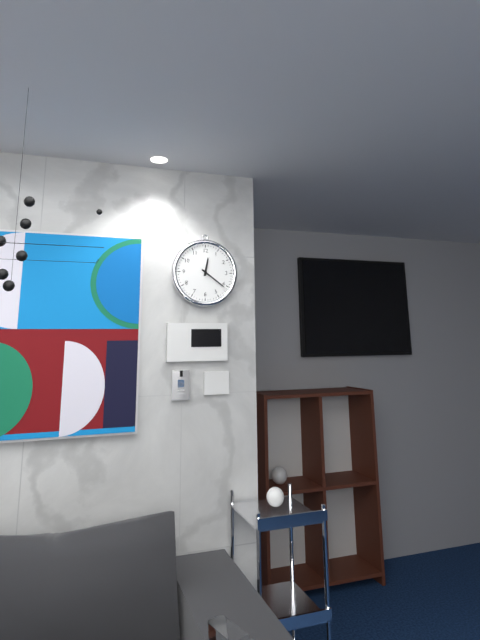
12:21
